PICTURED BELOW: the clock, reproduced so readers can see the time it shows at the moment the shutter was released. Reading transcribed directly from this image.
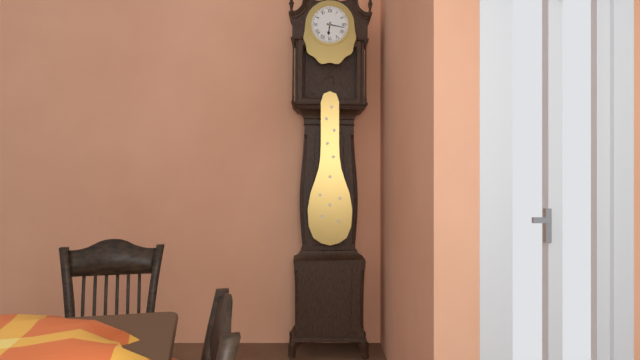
6:17
